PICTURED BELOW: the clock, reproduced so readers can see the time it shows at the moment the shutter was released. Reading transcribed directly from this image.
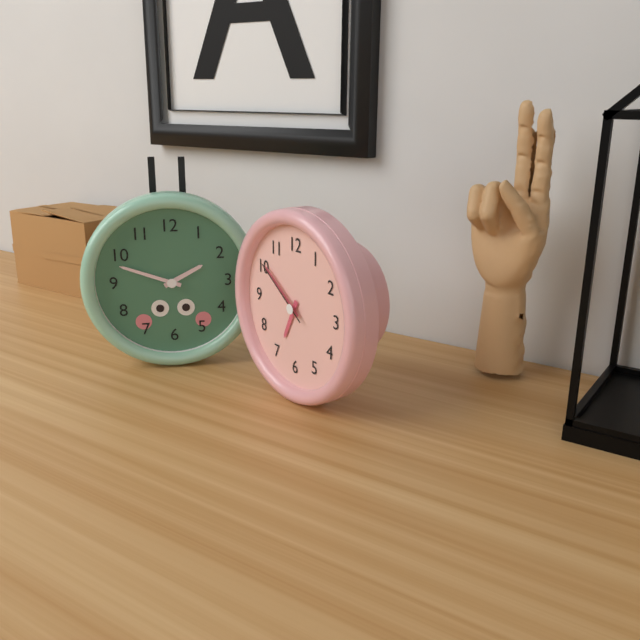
6:51:51
